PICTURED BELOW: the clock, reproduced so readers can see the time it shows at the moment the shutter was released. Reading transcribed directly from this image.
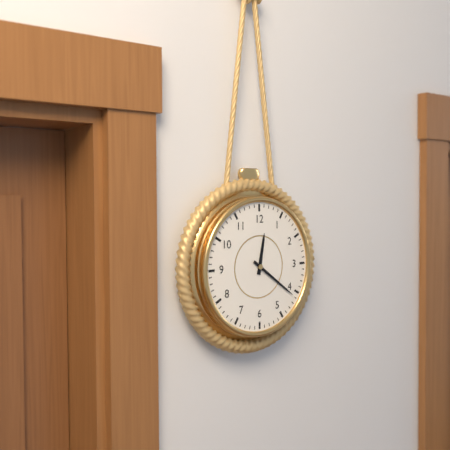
12:21
